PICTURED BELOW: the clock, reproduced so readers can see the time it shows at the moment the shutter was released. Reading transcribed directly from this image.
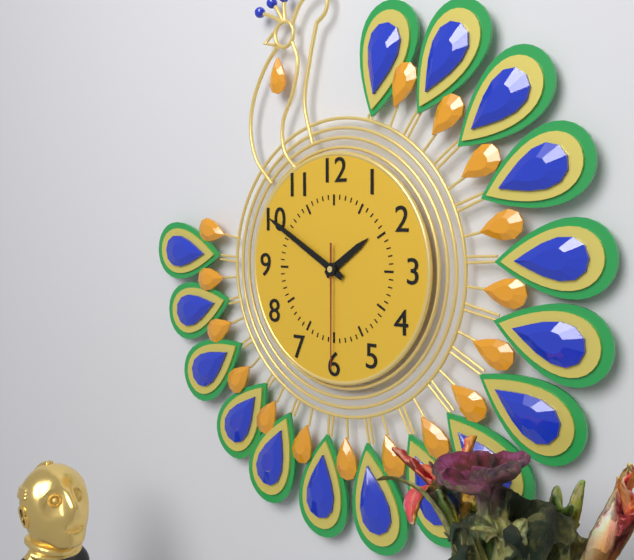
1:50:30
